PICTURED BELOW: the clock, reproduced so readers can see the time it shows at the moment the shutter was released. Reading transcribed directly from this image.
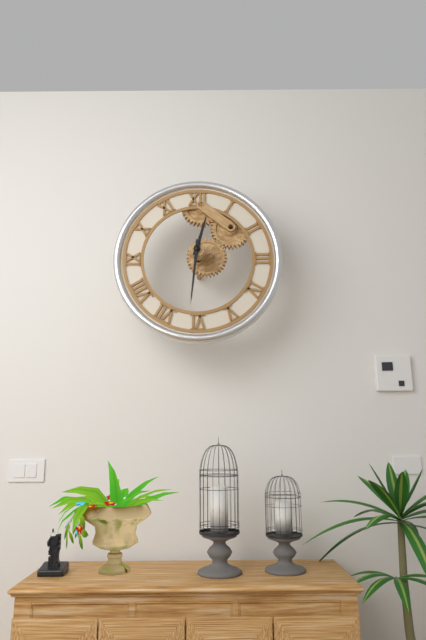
12:31
